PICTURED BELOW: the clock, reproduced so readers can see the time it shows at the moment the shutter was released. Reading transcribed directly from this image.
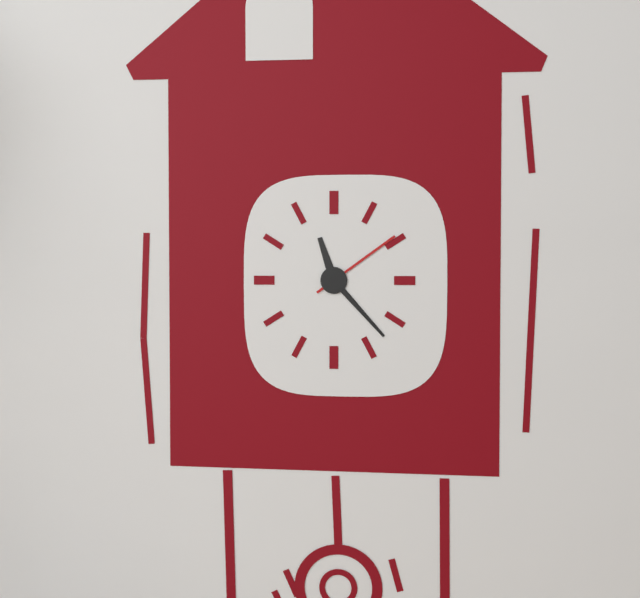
11:23:09
